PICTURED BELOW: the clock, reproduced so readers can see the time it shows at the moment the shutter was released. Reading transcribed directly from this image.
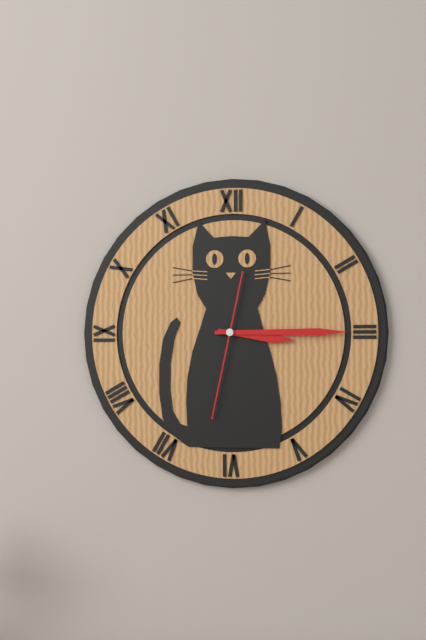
3:15:32
